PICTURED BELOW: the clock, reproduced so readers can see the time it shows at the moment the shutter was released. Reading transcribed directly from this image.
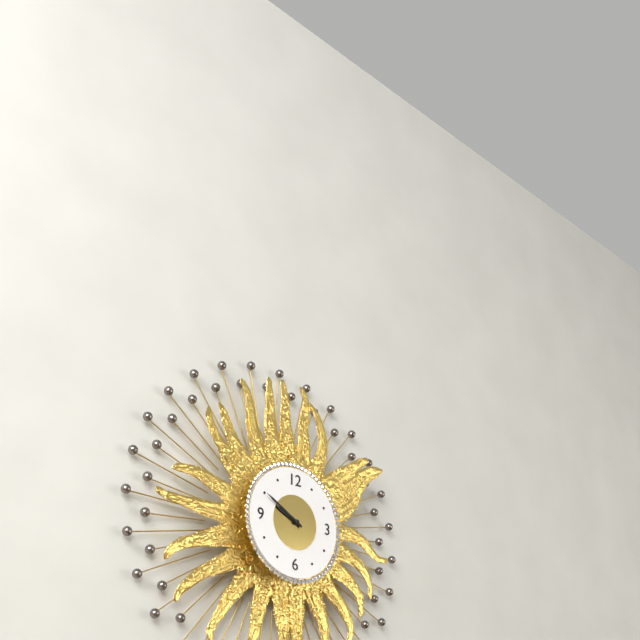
9:50
